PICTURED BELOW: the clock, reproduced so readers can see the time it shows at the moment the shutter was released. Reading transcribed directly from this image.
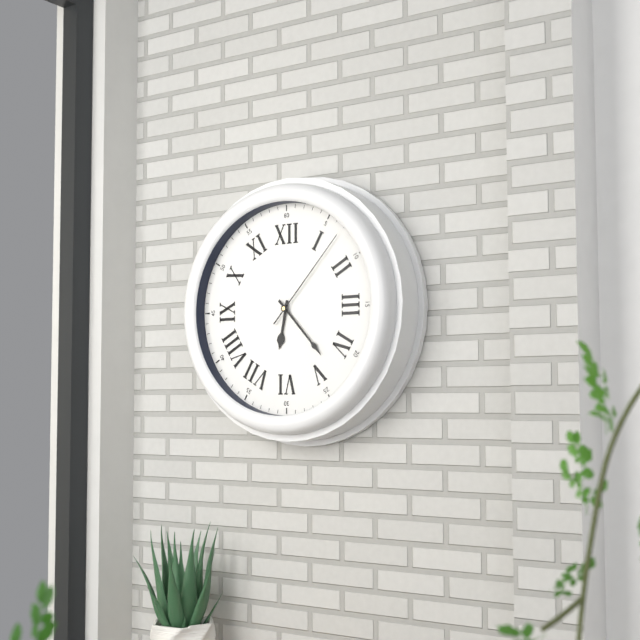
6:23:07
